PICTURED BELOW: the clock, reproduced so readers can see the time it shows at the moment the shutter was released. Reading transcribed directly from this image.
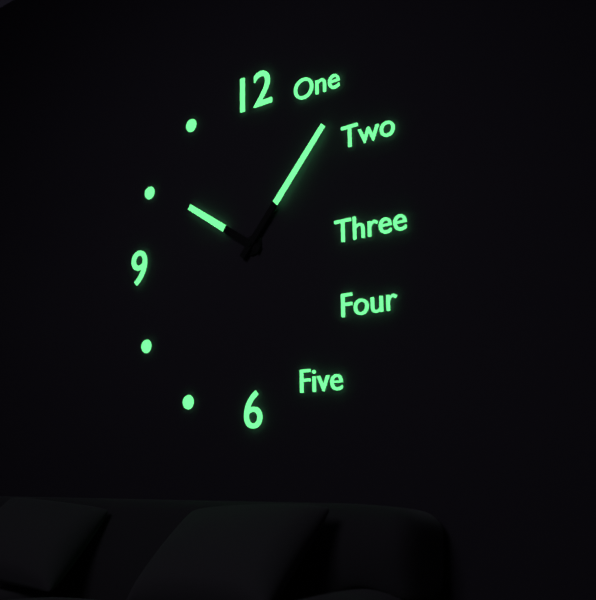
10:07
